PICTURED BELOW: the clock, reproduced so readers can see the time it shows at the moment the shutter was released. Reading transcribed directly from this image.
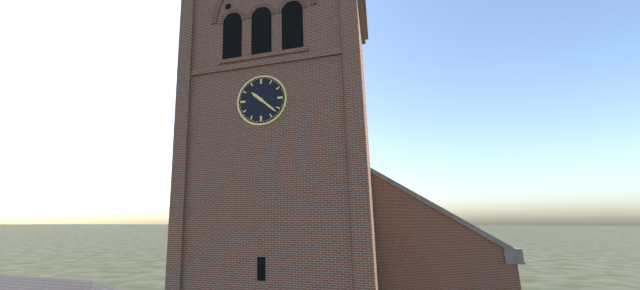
10:22
